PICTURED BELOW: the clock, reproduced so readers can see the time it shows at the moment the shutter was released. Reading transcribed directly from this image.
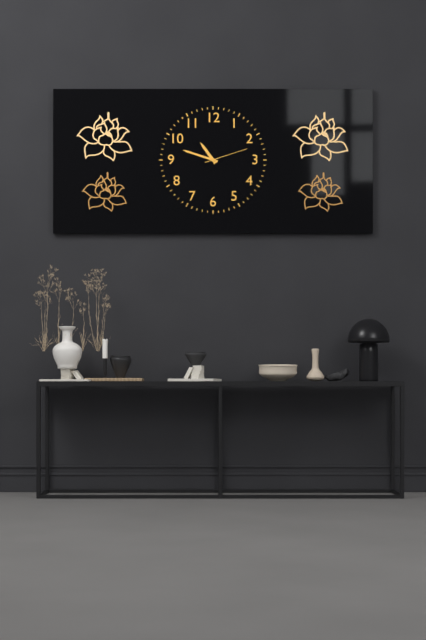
10:48
